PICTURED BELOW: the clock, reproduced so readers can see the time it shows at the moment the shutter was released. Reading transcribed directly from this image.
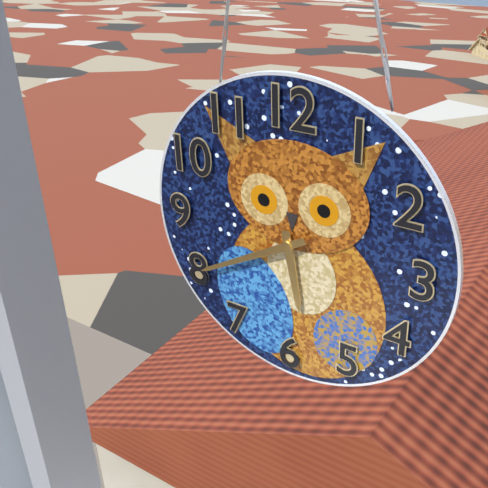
5:40
